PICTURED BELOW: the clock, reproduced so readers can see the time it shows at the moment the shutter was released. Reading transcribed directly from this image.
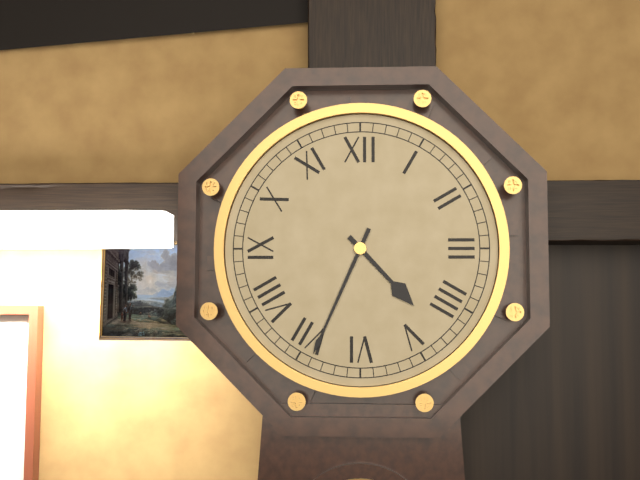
4:34
